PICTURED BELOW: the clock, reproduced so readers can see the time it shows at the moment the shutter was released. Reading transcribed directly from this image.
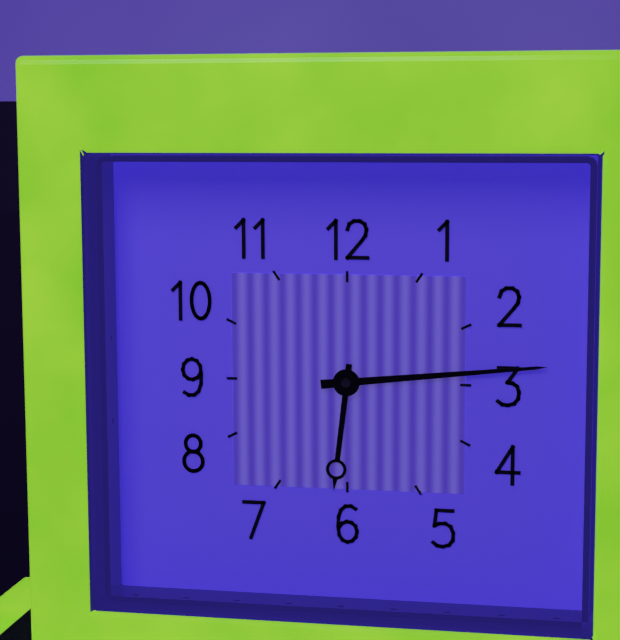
6:14
